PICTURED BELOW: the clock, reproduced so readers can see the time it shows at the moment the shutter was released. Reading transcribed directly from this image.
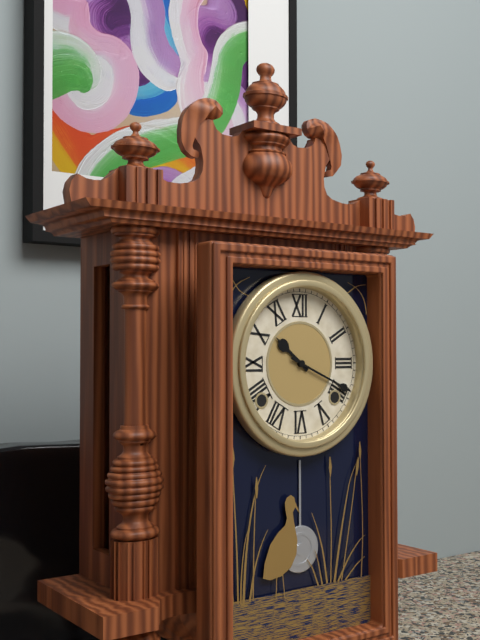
10:19
